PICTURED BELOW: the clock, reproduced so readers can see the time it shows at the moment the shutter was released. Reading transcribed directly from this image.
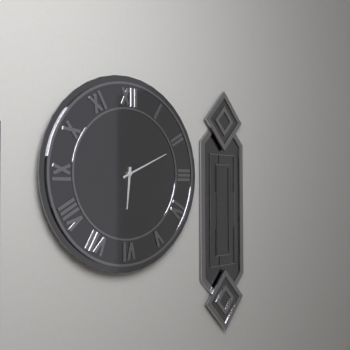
6:11
